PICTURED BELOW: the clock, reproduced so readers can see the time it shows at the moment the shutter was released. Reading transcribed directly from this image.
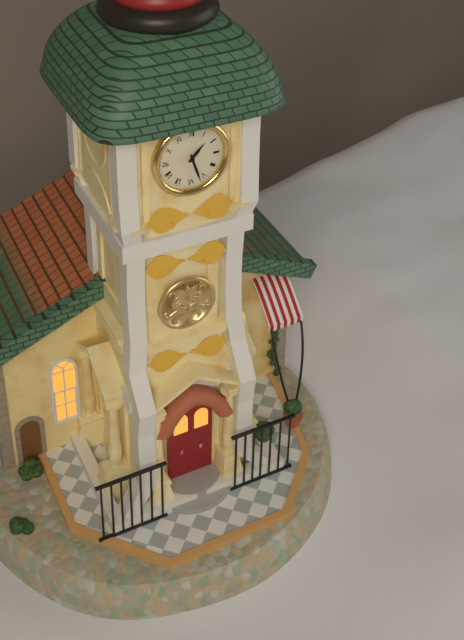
1:27
